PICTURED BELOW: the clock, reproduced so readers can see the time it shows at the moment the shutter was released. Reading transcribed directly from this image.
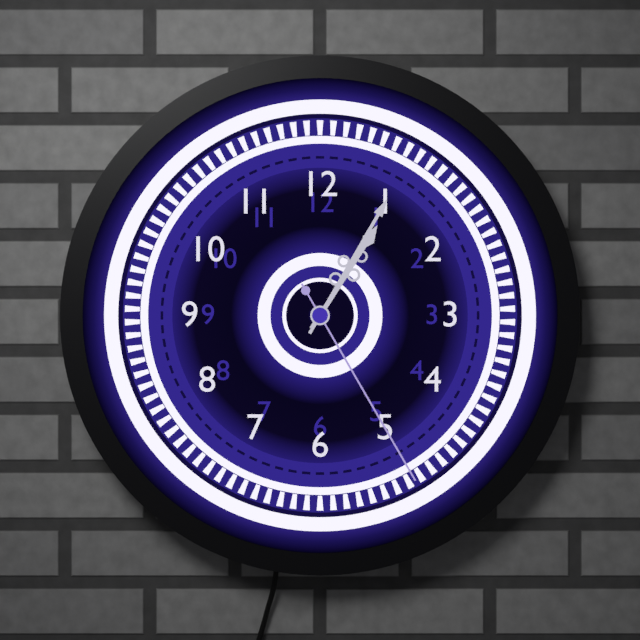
1:05:25
